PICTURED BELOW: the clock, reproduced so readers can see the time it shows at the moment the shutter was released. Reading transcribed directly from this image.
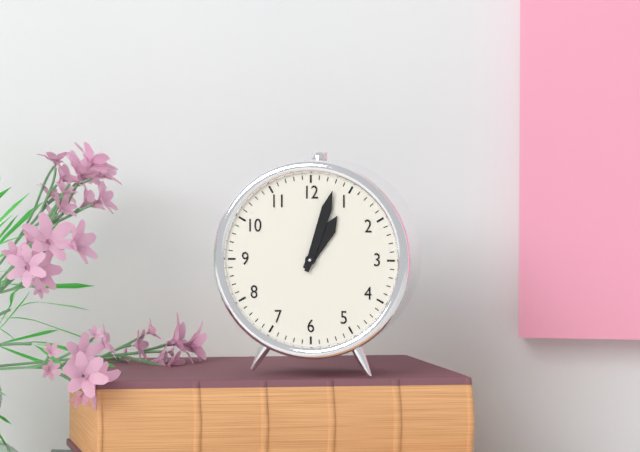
1:03
